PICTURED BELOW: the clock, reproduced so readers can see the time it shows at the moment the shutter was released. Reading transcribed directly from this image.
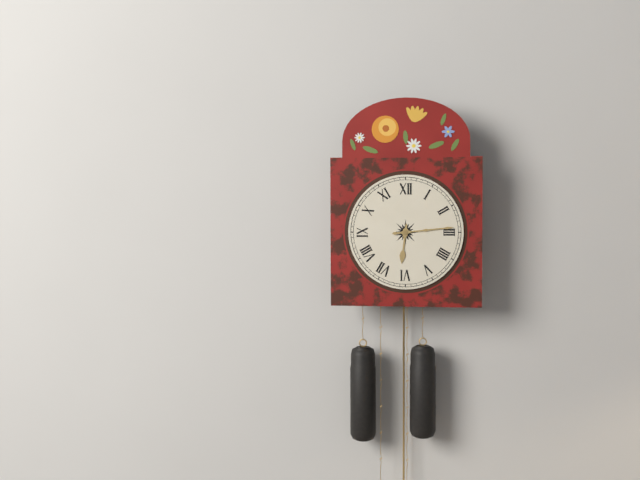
6:14
